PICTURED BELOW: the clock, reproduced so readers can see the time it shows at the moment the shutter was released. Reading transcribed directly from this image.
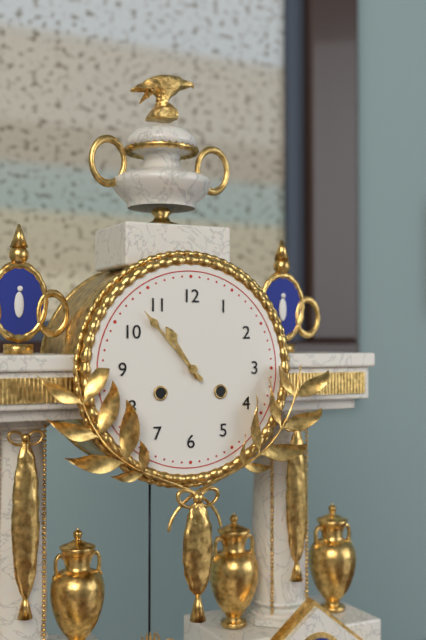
10:53
